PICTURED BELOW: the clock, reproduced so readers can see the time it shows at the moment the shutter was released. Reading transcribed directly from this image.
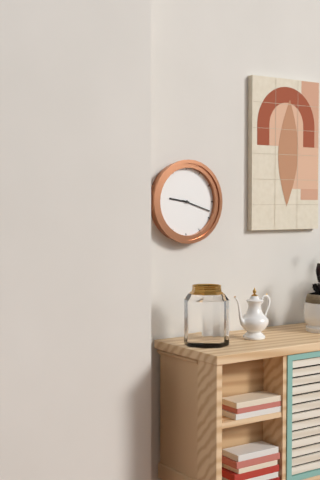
9:18
